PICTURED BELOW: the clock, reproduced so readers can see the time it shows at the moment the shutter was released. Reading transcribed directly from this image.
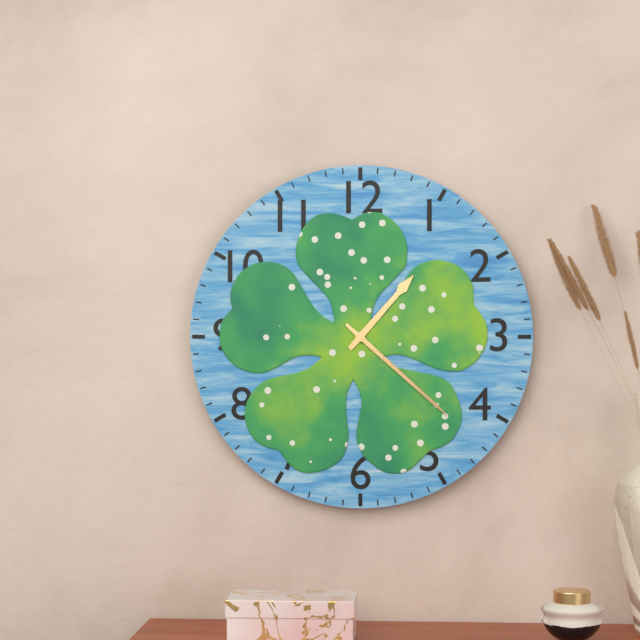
1:22
